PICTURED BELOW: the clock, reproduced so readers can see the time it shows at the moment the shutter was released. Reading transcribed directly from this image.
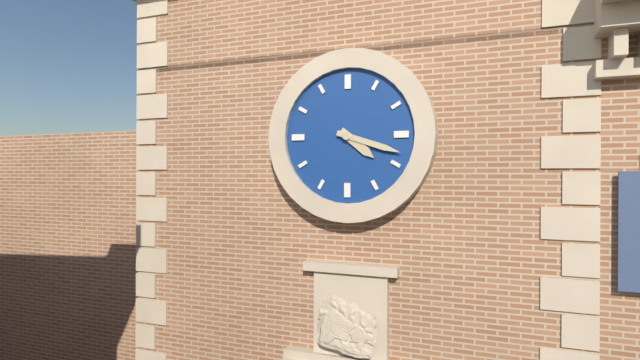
4:18
